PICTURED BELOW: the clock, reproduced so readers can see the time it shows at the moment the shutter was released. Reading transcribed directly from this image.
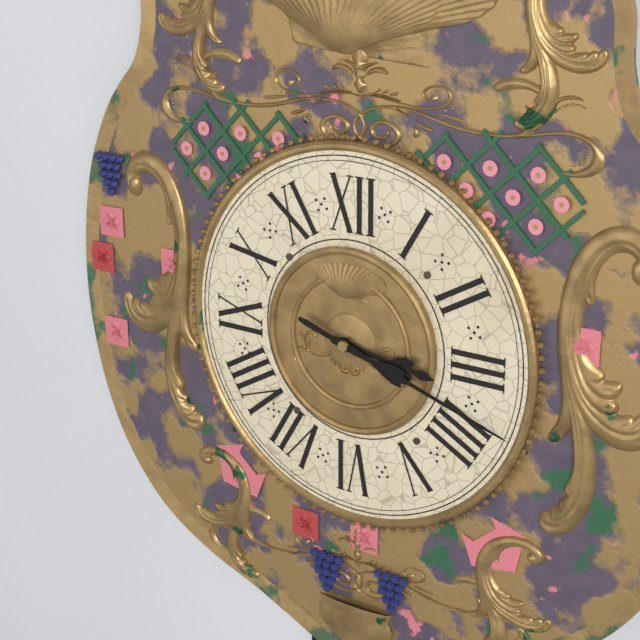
3:18
